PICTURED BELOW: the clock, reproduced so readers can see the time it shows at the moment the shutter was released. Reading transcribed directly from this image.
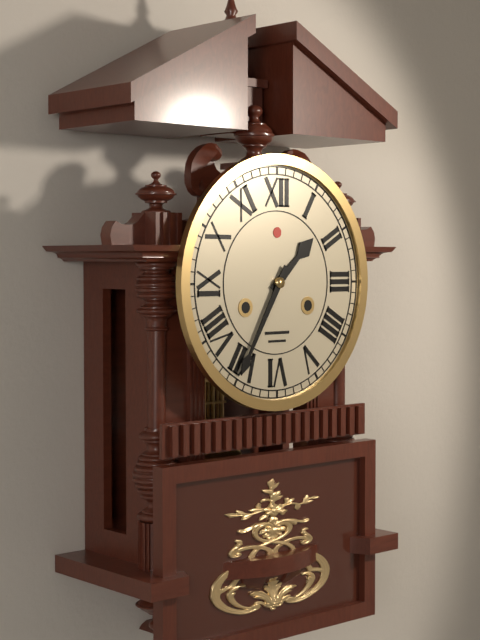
1:35
